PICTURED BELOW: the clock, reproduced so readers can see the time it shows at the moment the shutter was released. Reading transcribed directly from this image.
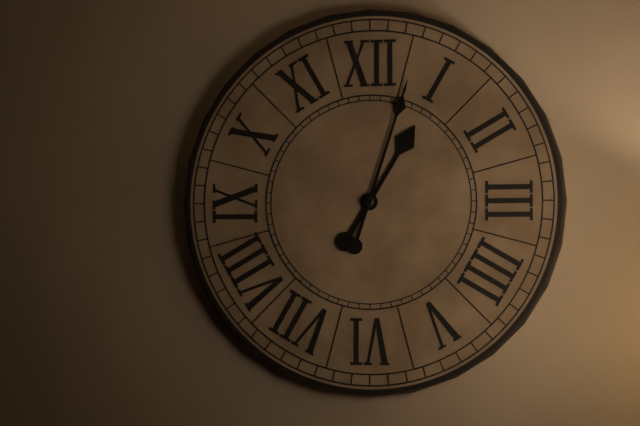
1:03
